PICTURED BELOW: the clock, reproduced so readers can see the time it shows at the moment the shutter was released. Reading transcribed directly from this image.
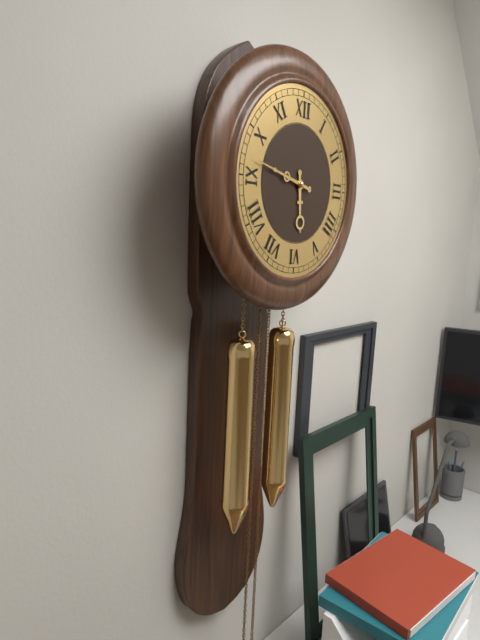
5:47
